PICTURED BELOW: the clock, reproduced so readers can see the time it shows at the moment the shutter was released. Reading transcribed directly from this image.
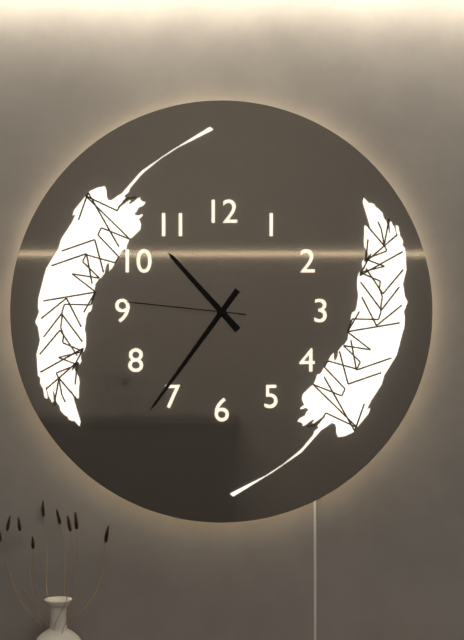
10:36:46
